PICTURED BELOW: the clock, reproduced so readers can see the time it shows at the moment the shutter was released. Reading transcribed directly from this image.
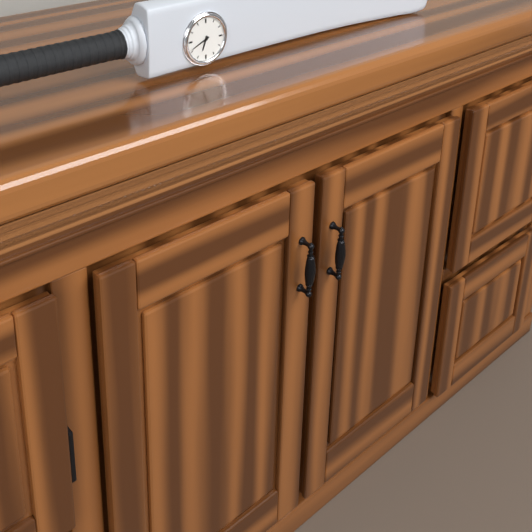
6:41
